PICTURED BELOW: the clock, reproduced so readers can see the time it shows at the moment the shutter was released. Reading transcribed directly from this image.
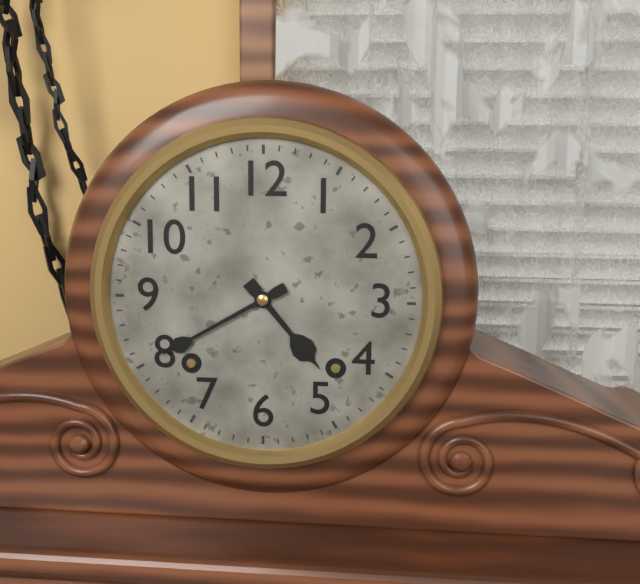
4:40
